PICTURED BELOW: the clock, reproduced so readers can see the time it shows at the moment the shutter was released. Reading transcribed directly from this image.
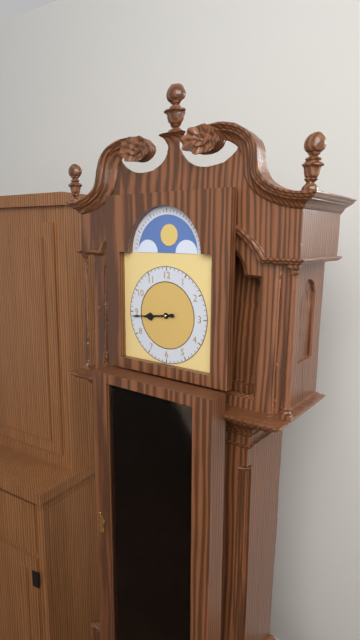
8:44
